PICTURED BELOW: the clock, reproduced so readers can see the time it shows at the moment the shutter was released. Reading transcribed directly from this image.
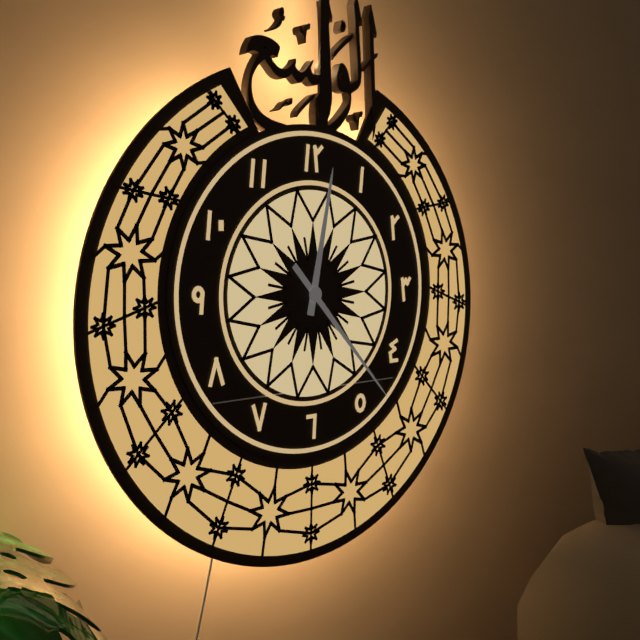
12:23
